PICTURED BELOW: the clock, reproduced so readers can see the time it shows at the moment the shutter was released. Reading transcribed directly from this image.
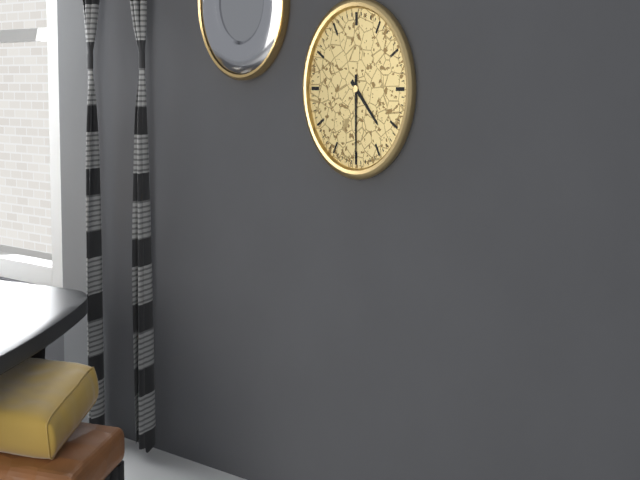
4:30
